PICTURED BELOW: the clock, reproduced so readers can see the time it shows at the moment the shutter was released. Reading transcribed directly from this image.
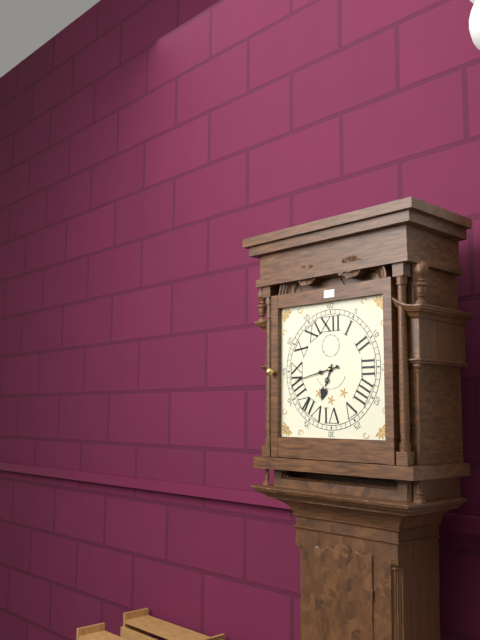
6:43
